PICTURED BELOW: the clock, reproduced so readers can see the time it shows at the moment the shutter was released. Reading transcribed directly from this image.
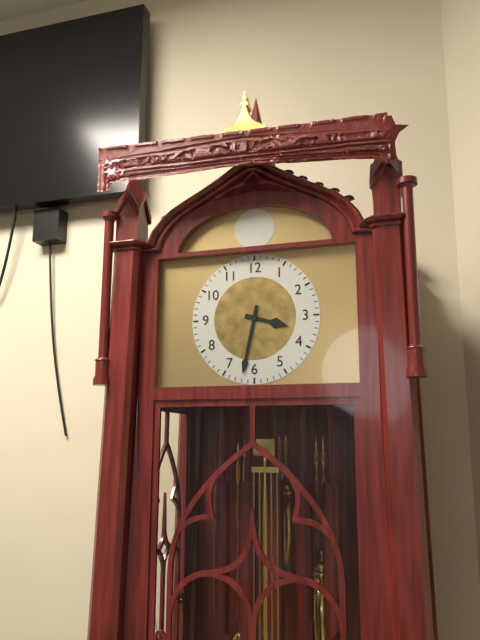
3:32
